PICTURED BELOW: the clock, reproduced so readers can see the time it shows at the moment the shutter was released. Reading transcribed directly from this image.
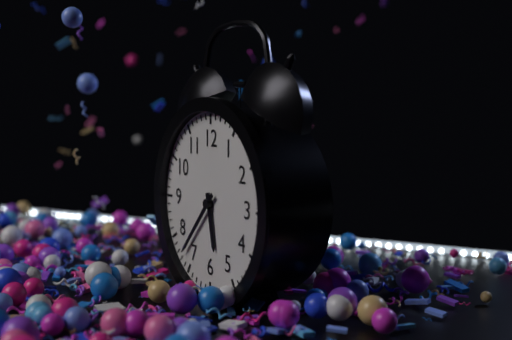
5:37
